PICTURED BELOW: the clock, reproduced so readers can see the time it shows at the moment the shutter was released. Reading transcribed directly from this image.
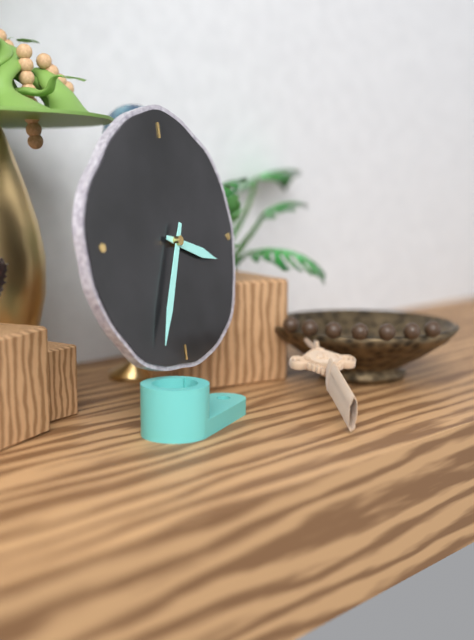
3:34
